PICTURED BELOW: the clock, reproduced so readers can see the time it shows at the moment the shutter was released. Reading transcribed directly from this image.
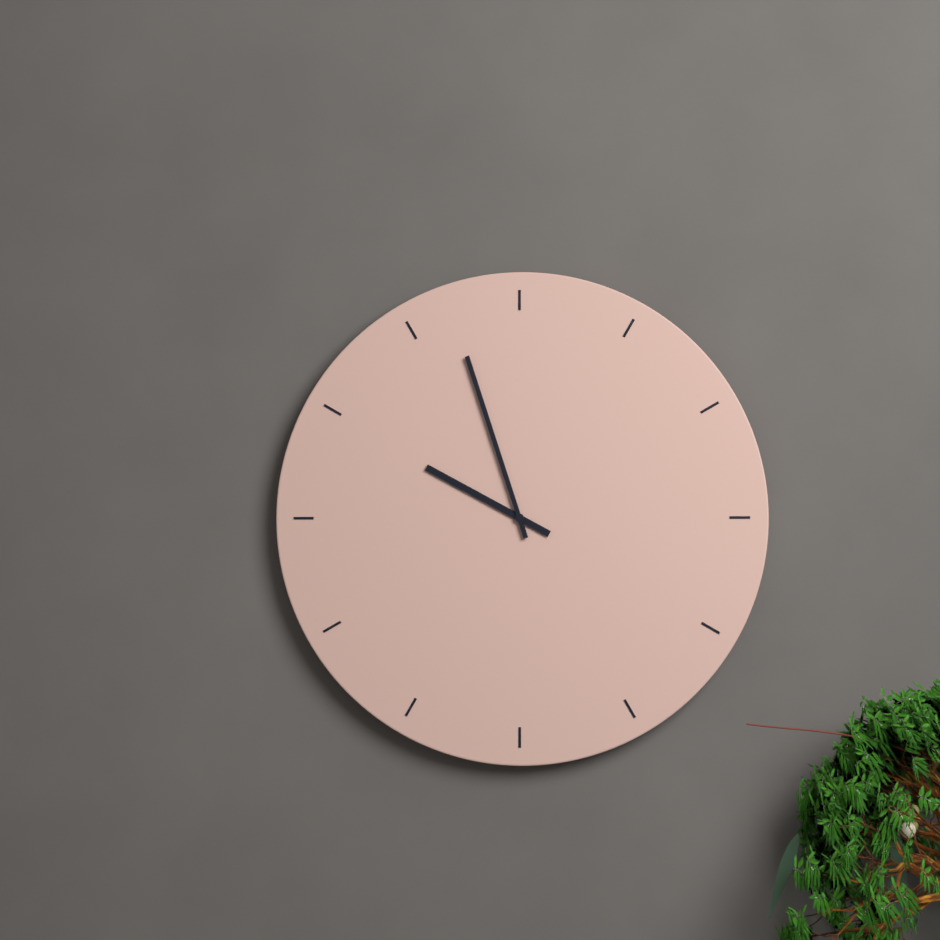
9:57
